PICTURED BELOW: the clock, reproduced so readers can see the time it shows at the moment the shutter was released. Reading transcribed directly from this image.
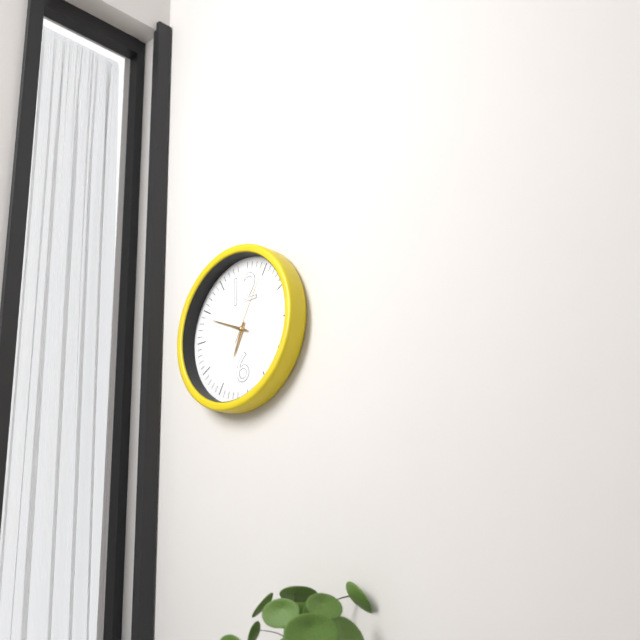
6:49:05
